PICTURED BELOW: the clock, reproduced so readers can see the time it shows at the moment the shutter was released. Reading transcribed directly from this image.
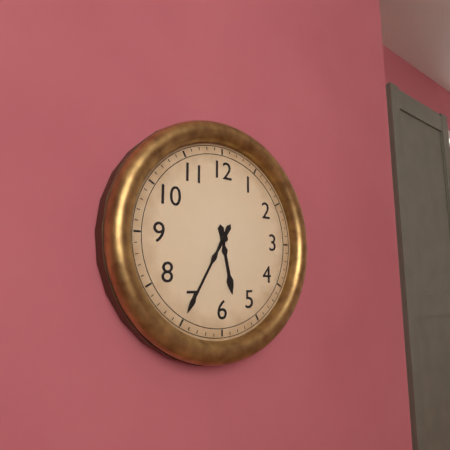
5:35
